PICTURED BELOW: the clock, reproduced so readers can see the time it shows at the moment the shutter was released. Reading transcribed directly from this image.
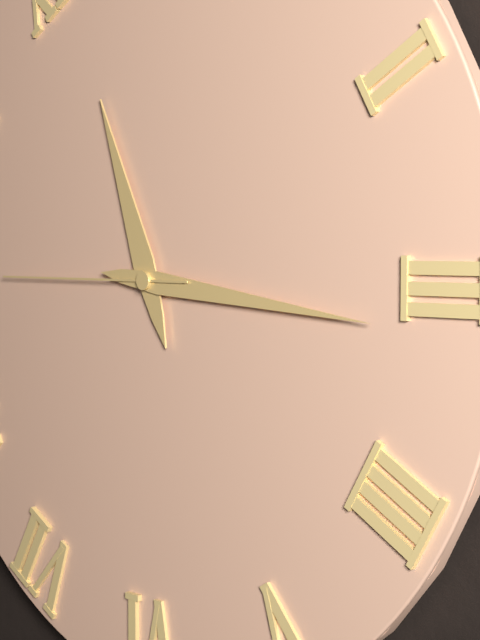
11:16:45
